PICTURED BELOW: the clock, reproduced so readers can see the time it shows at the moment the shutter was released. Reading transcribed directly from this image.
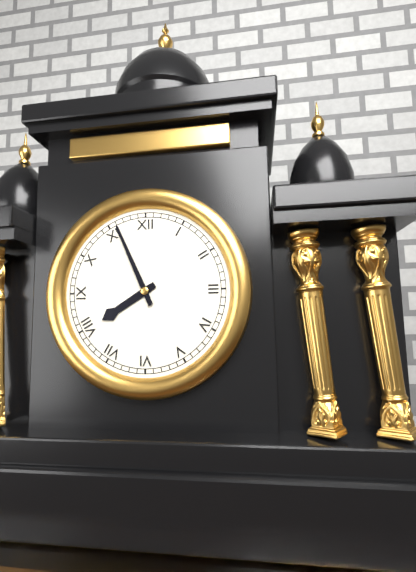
7:56
